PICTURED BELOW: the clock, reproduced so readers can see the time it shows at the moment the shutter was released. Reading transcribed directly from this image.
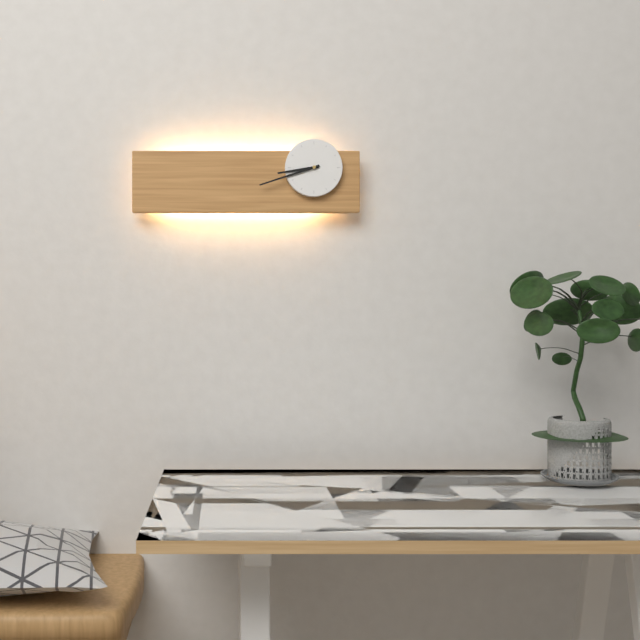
8:42
